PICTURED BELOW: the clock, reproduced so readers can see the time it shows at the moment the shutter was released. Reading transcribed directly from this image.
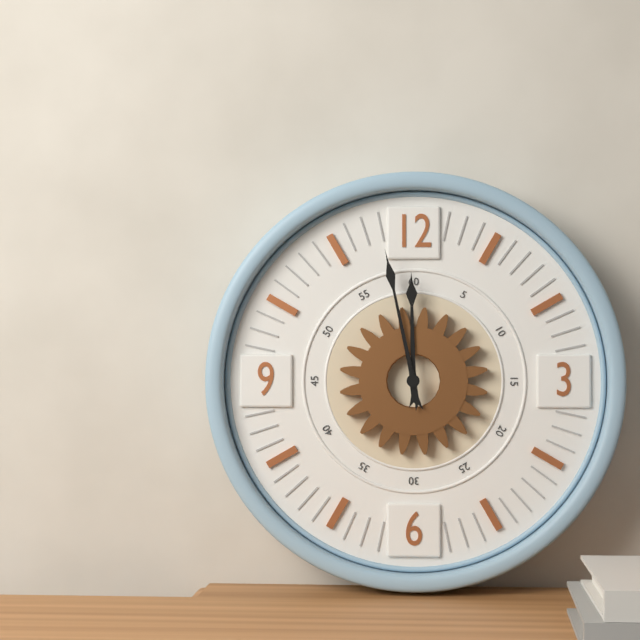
11:58
